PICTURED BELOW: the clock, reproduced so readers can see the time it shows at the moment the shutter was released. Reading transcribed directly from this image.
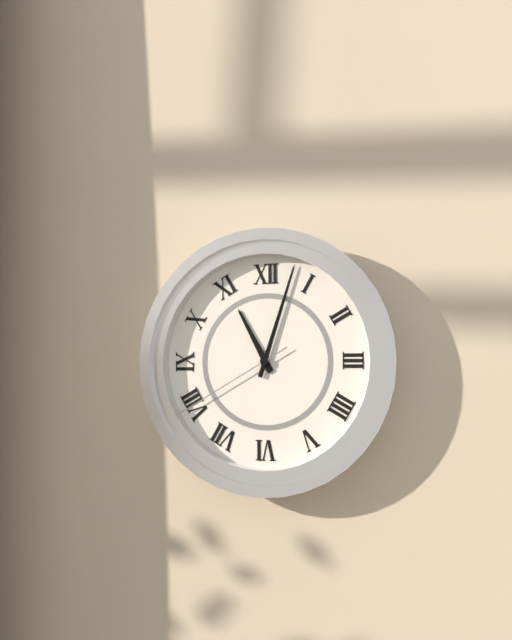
11:03:40
